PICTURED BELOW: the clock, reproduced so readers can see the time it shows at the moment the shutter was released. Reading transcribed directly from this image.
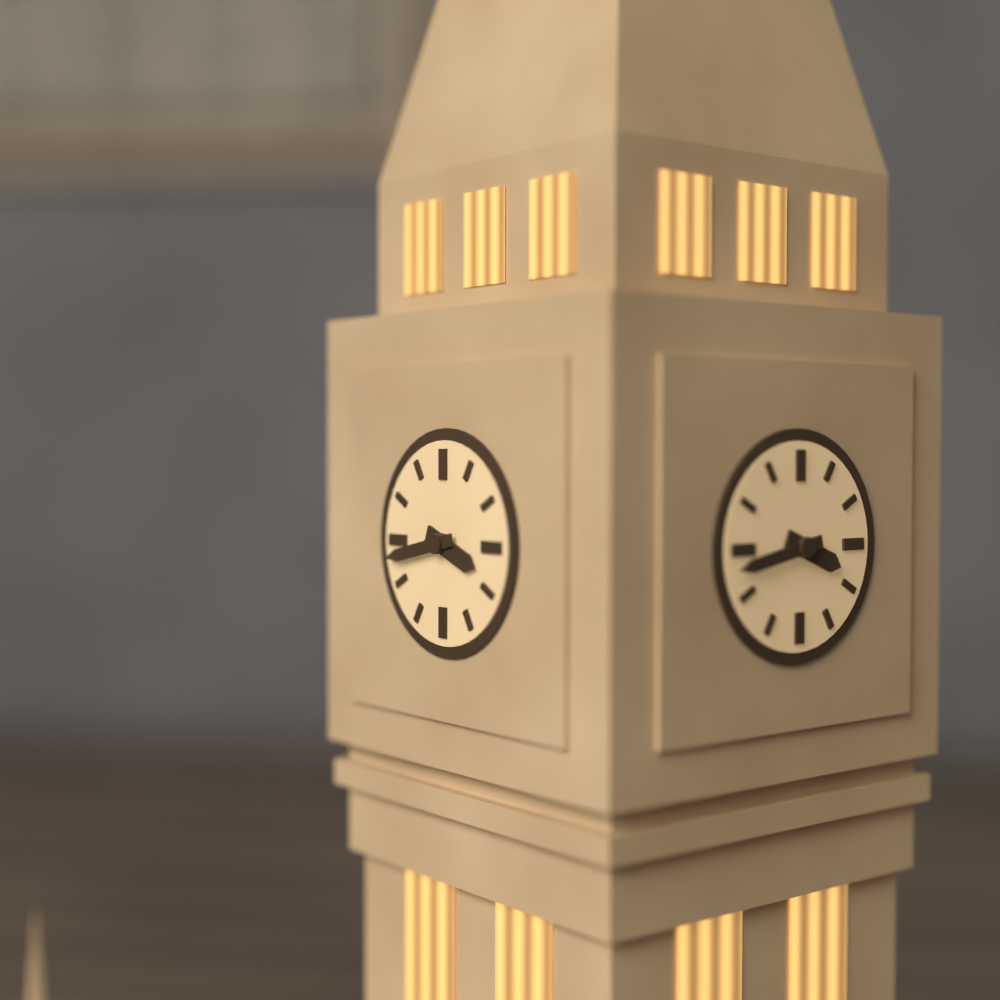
3:43
